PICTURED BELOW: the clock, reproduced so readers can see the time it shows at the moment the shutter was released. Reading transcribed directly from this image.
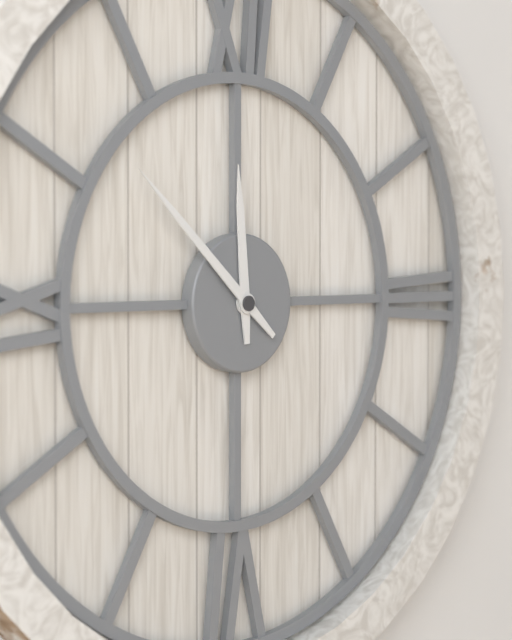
11:52
